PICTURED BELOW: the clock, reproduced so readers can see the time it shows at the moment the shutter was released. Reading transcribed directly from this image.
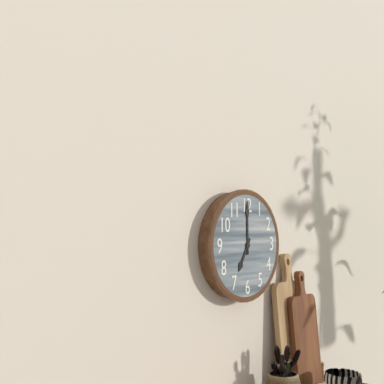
7:00
